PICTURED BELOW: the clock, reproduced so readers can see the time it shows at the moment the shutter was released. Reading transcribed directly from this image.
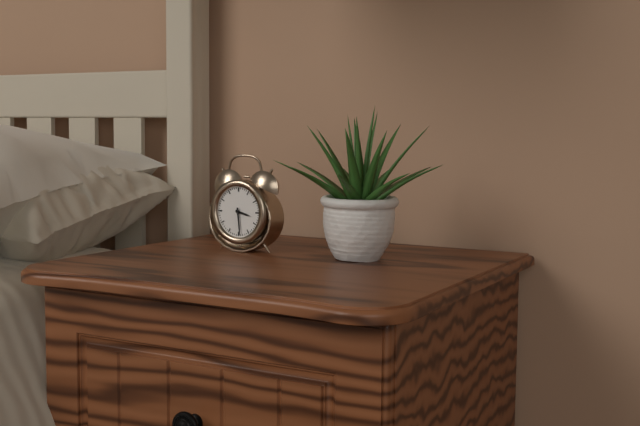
3:29
